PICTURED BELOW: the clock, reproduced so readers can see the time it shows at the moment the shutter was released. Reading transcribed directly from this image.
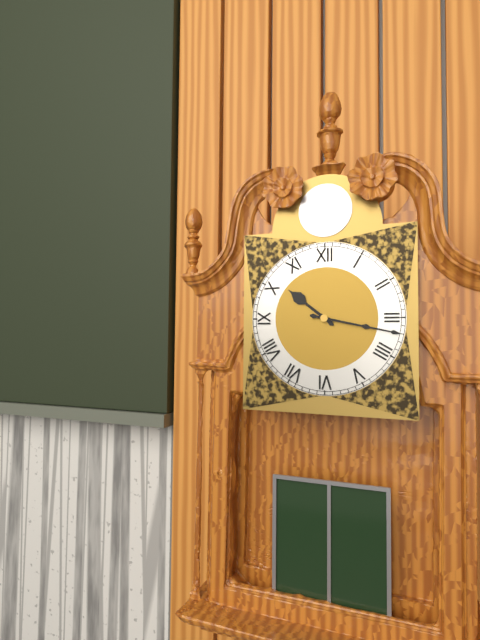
10:17
